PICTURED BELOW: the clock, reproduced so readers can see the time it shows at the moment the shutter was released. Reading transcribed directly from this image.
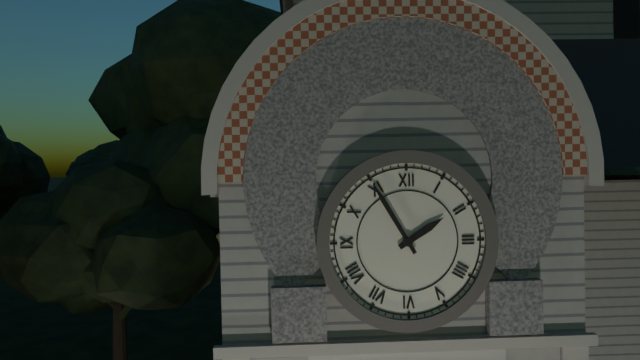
1:55
